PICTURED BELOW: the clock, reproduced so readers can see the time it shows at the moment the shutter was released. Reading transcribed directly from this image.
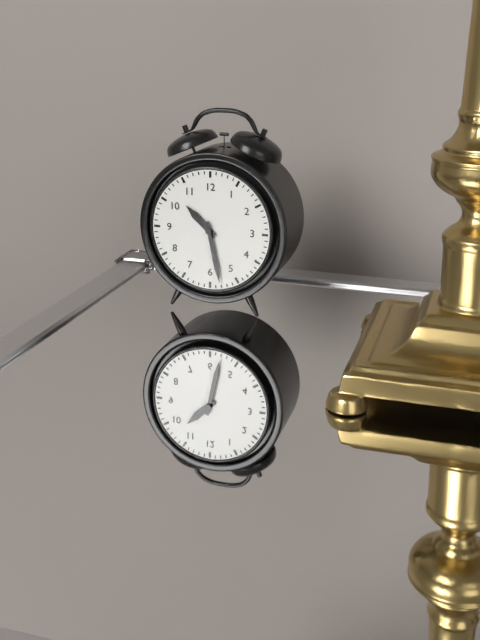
10:28
